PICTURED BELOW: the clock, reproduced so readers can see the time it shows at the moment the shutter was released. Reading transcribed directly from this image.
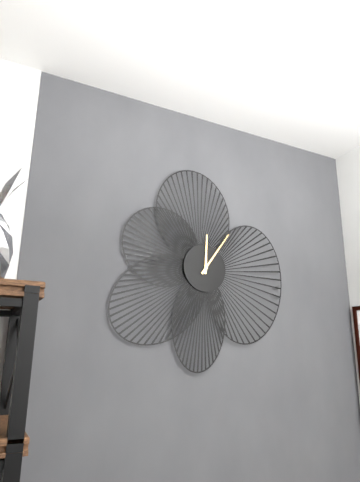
12:06
